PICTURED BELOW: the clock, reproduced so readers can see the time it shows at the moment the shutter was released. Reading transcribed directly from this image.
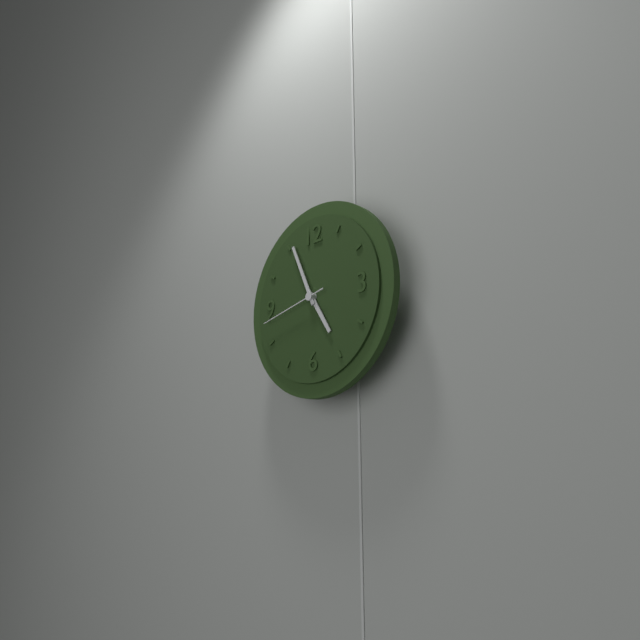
4:56:43
